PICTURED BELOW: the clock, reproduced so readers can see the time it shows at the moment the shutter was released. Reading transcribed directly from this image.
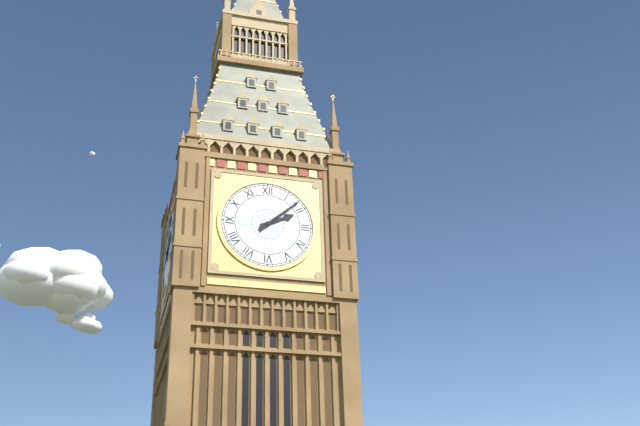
2:08
